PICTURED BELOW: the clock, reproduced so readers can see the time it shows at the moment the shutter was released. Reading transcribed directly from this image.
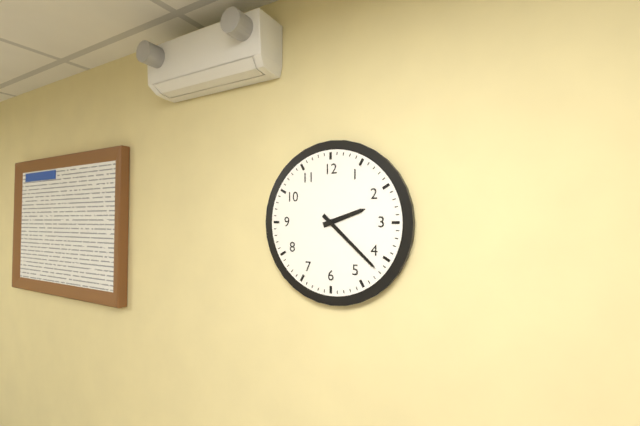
2:22
